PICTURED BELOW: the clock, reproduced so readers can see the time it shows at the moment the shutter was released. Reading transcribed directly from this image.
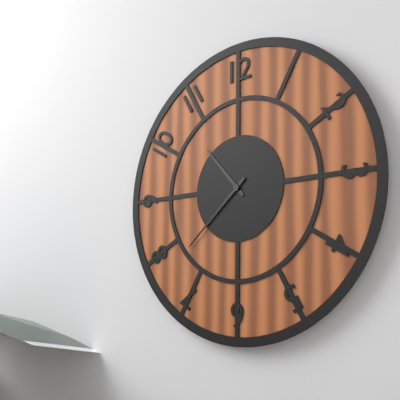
10:38
